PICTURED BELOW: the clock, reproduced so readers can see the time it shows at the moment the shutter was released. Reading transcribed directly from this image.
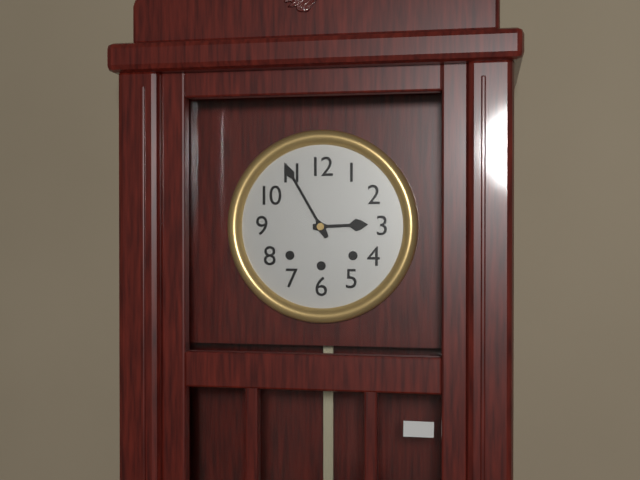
2:55
